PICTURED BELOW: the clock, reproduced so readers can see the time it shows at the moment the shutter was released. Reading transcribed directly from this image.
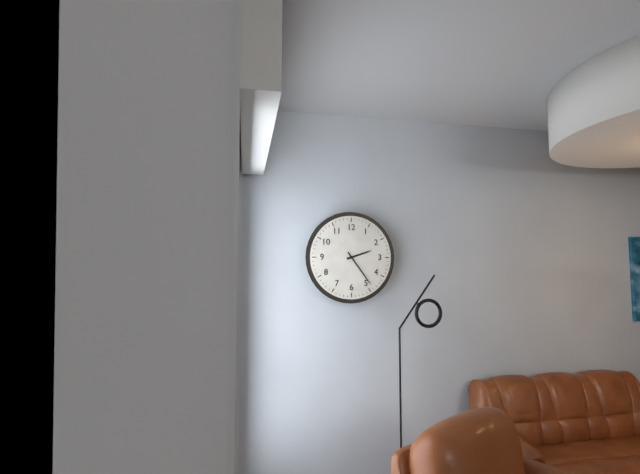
2:24
